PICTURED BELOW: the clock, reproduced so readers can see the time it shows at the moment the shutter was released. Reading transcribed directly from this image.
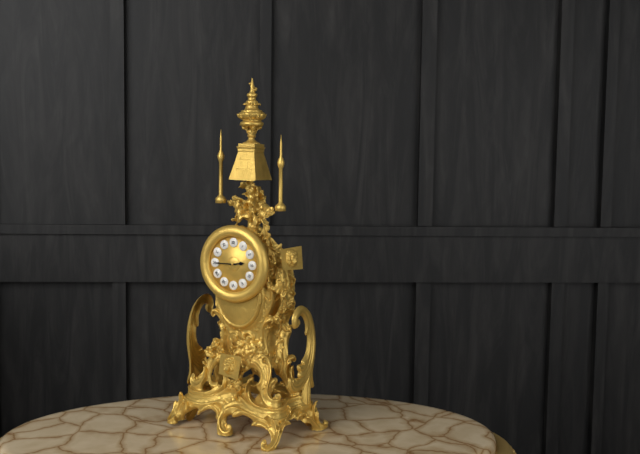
2:45
